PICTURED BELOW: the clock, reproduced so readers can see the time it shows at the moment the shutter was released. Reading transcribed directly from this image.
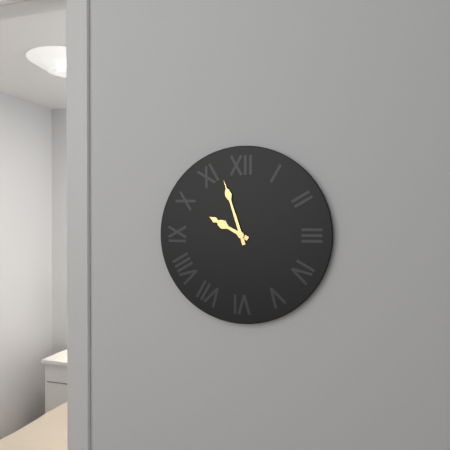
9:57
